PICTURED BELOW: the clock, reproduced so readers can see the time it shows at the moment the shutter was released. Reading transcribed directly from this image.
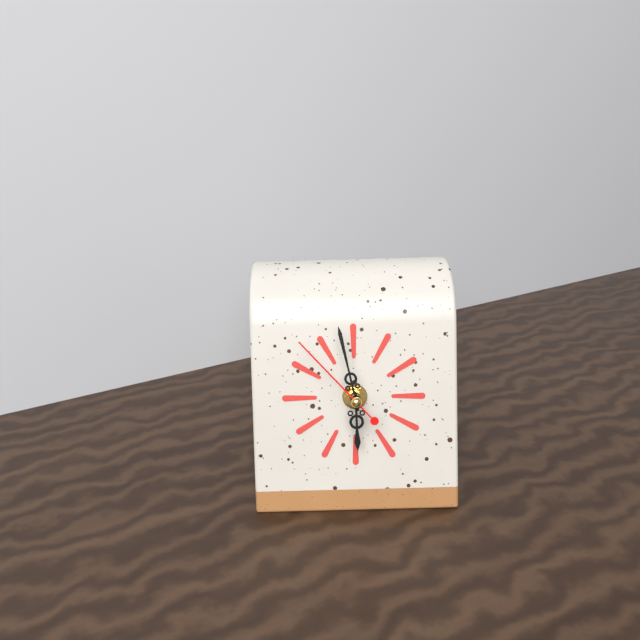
5:58:53
